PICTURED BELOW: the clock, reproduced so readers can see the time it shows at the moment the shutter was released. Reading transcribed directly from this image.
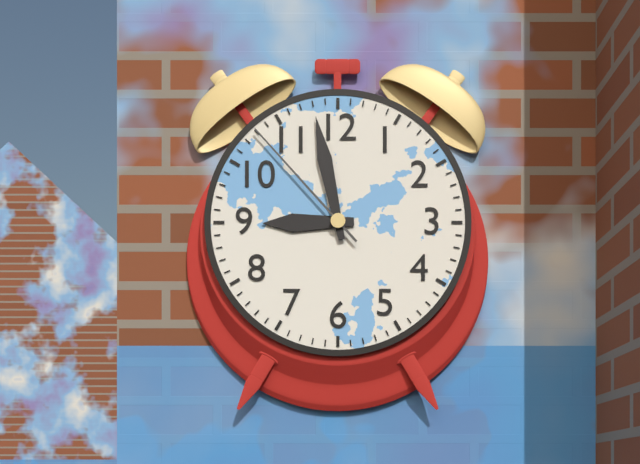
8:58:53
